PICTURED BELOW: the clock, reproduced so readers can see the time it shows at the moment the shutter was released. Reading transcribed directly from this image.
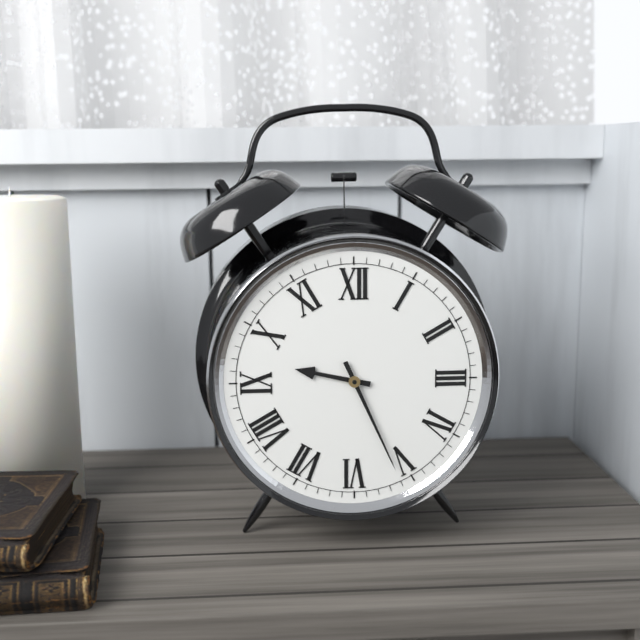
9:26
